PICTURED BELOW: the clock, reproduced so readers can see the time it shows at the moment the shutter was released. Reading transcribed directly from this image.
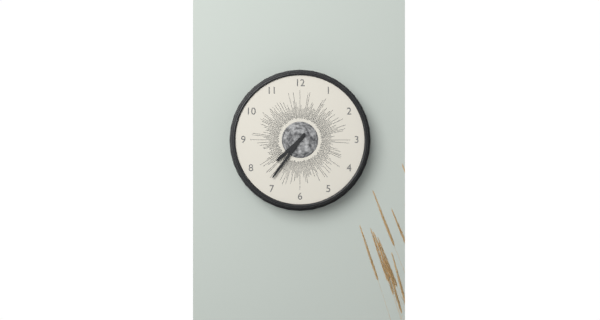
7:36
